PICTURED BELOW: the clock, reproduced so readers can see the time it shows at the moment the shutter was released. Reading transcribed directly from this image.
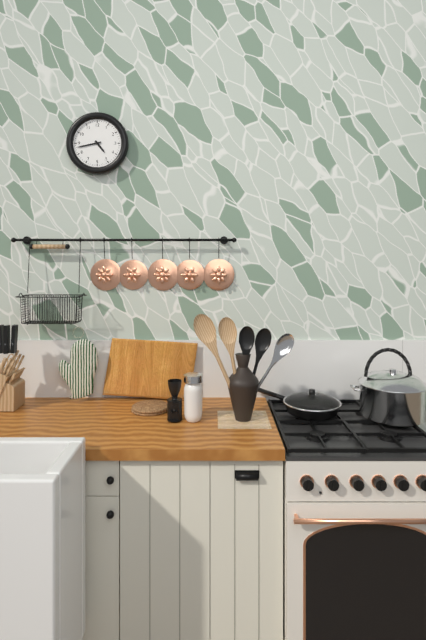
4:43
